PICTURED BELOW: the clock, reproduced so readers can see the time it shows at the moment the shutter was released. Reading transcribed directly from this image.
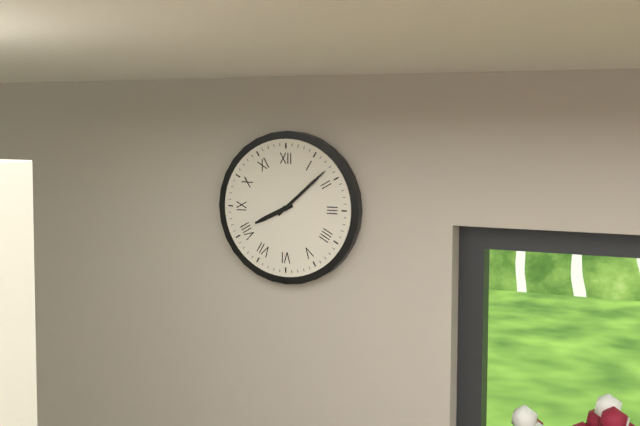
8:08
